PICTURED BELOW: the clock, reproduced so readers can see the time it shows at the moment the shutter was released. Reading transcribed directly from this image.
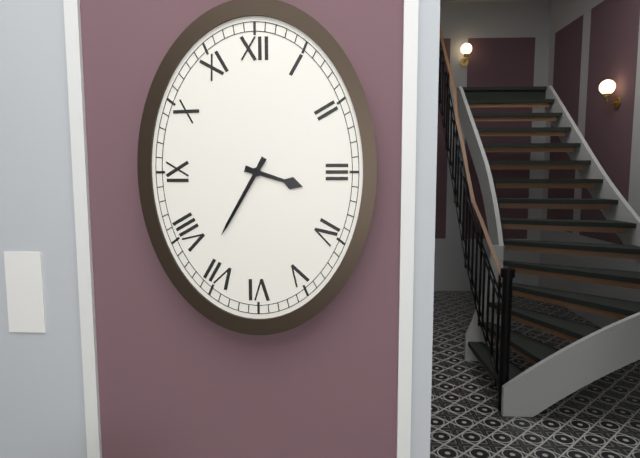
3:35
